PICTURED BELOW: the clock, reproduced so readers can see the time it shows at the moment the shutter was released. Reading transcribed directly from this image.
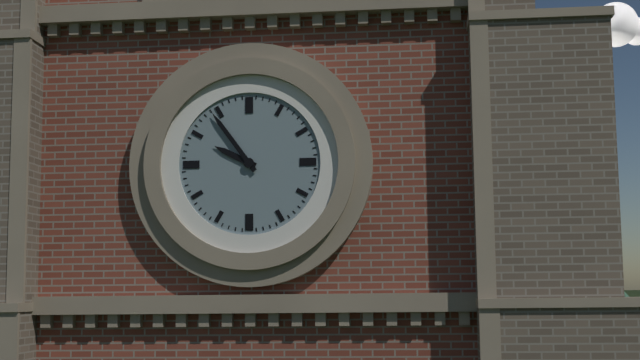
9:54
